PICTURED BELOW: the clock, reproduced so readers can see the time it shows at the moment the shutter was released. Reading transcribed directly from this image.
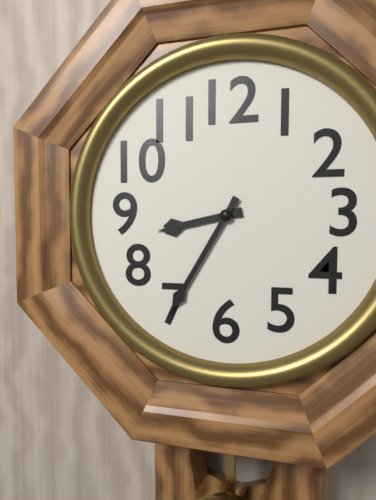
8:35
